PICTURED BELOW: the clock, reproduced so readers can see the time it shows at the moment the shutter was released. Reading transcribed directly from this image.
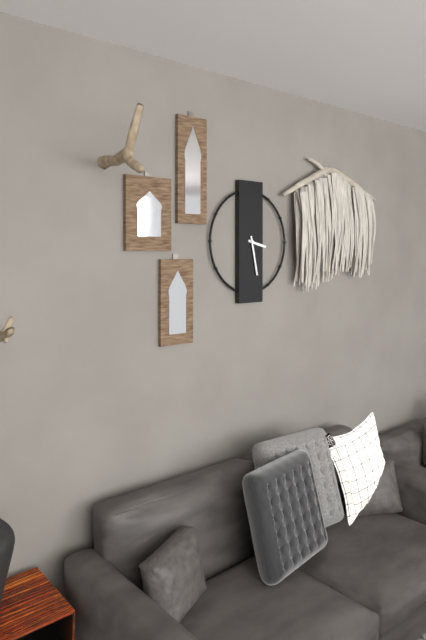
3:28
